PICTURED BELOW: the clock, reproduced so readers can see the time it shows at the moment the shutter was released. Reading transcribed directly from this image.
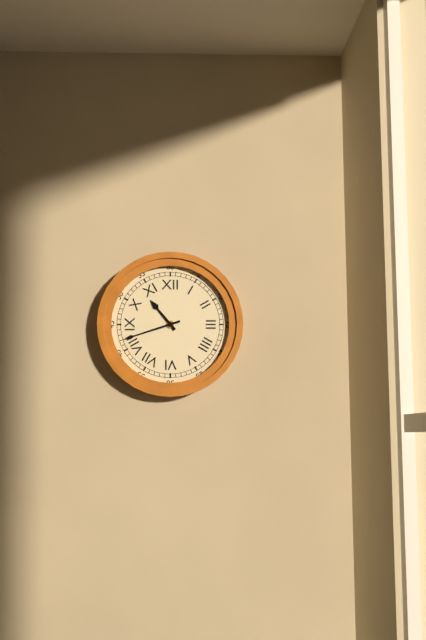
10:42
